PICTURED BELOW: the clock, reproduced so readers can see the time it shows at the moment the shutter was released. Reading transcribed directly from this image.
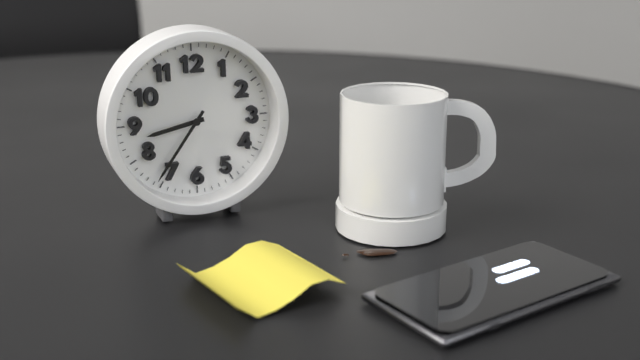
8:36
